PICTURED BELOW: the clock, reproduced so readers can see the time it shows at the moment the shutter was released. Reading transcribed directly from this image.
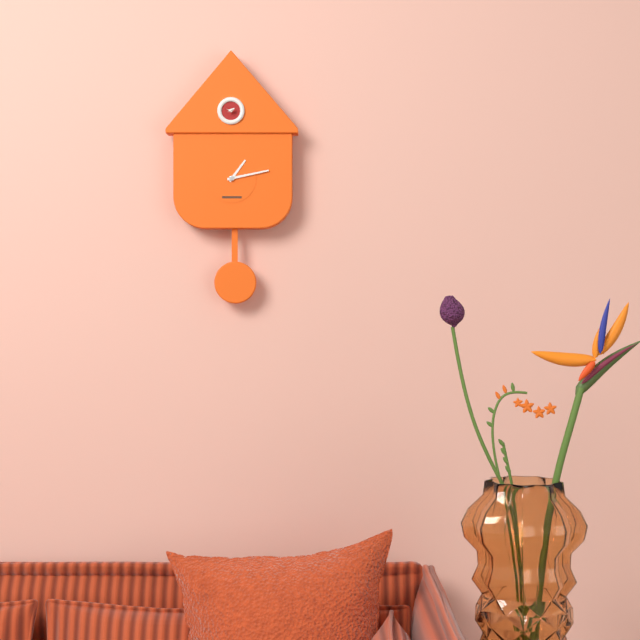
1:13
